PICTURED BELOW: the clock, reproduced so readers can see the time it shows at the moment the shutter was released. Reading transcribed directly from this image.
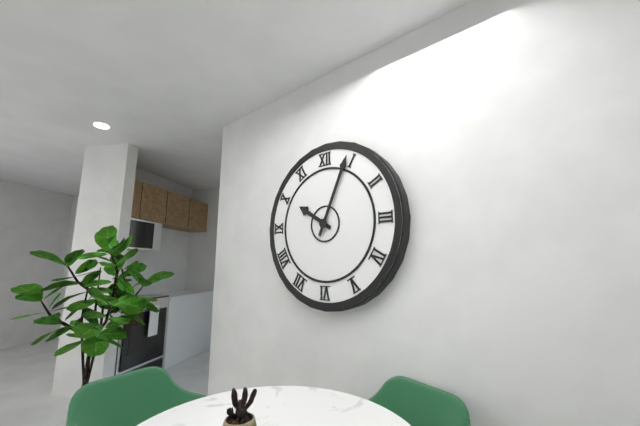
10:04
